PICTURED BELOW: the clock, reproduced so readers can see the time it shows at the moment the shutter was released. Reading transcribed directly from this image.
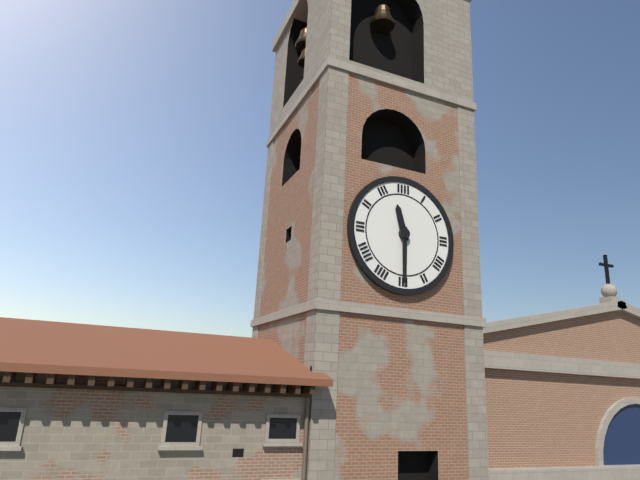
11:30
